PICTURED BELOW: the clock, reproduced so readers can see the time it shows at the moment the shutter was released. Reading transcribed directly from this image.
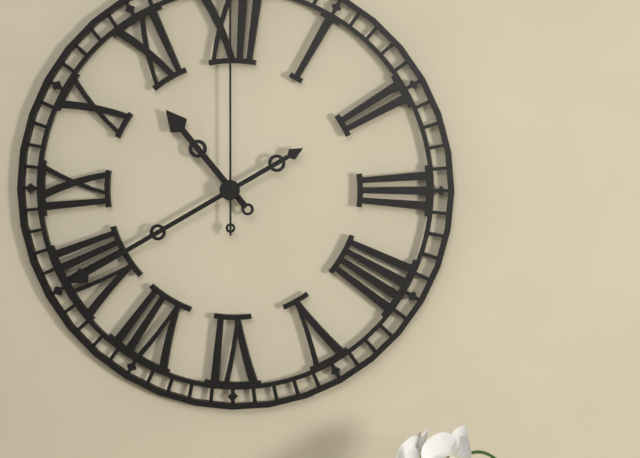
10:40
